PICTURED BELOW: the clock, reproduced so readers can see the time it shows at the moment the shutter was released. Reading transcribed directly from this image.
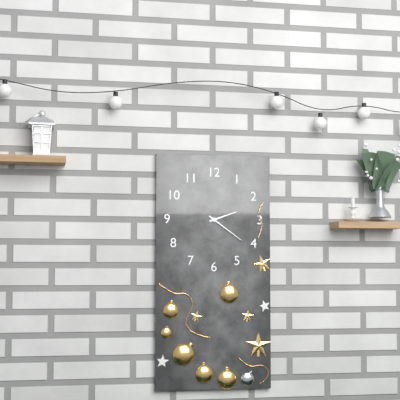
2:21
